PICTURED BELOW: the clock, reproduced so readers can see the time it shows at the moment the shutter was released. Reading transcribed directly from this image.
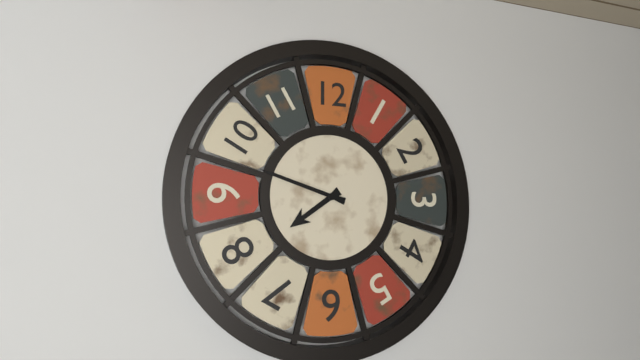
7:48
